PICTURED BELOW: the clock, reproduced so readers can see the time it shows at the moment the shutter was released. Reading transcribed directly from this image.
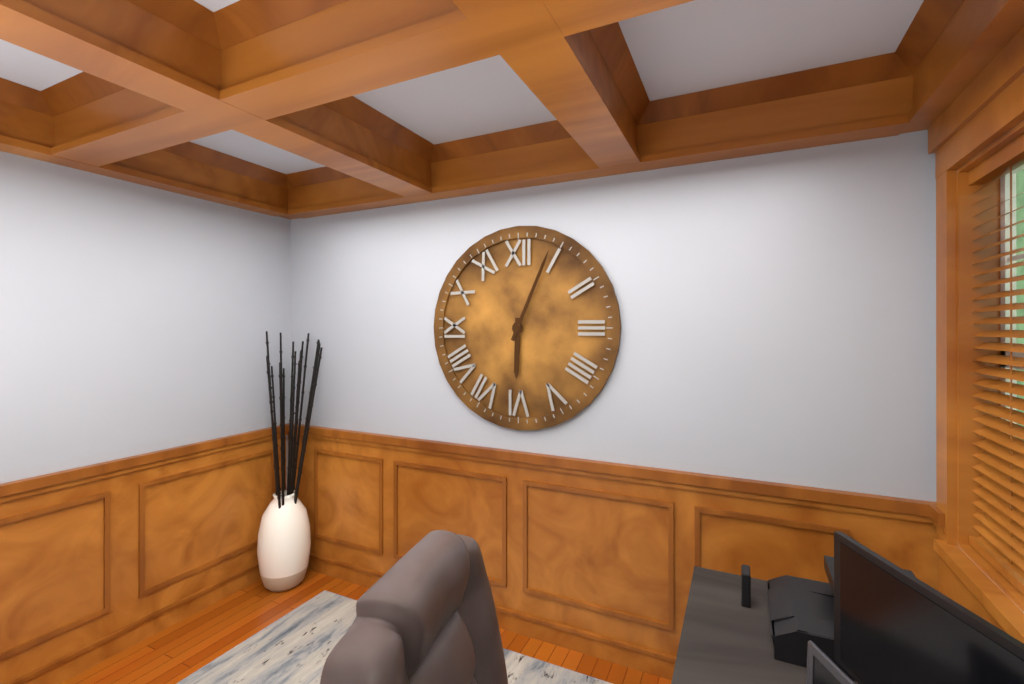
6:04
